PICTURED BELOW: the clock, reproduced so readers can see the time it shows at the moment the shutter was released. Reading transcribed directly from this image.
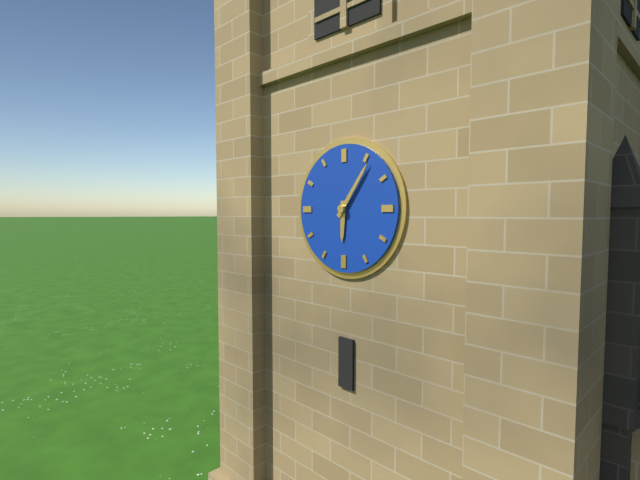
6:06
